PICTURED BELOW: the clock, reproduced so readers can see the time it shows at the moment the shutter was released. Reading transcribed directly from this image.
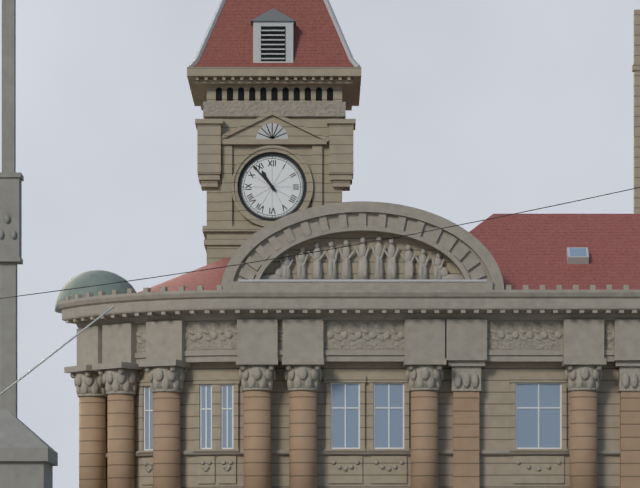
10:53
